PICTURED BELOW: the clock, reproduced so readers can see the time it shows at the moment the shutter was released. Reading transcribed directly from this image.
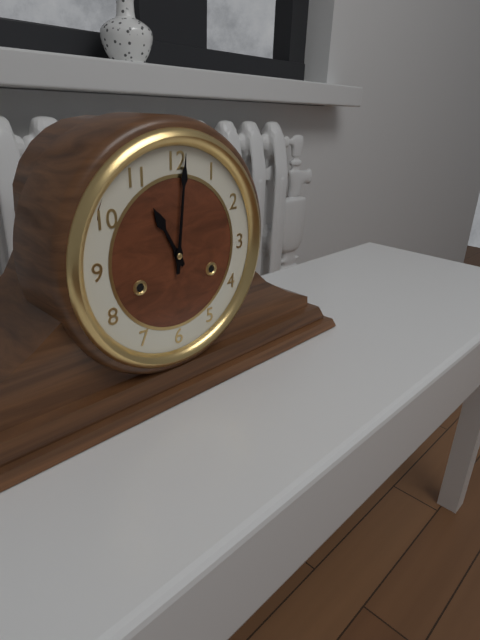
11:01
